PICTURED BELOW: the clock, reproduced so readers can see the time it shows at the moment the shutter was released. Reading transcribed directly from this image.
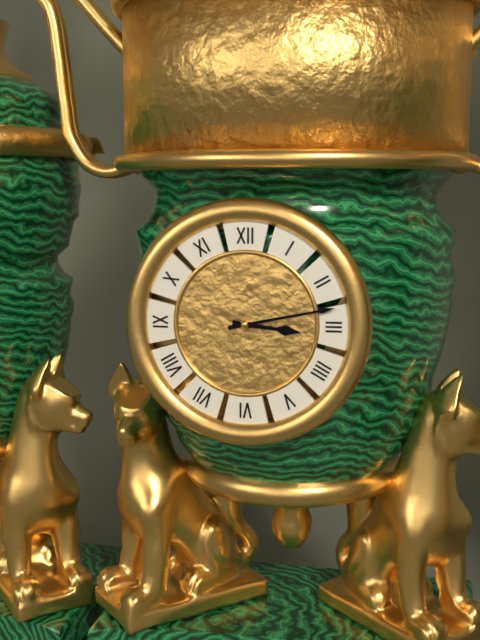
3:13
